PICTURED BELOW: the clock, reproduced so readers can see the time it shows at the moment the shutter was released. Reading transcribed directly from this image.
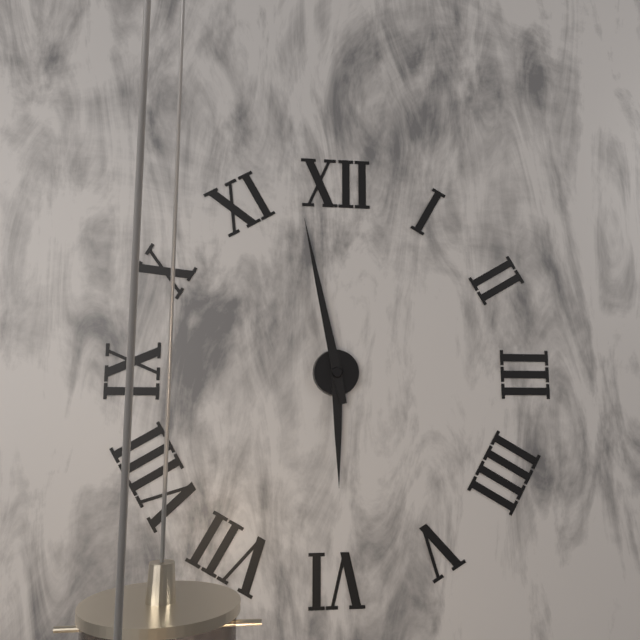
5:58
